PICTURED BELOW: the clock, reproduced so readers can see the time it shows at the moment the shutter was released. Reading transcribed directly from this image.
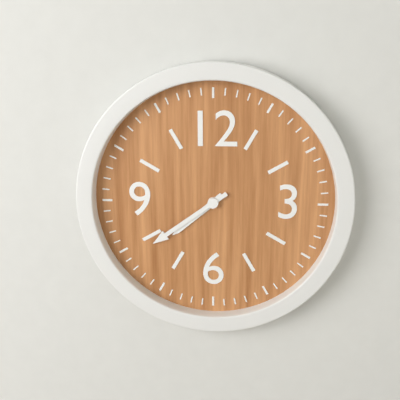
7:39
